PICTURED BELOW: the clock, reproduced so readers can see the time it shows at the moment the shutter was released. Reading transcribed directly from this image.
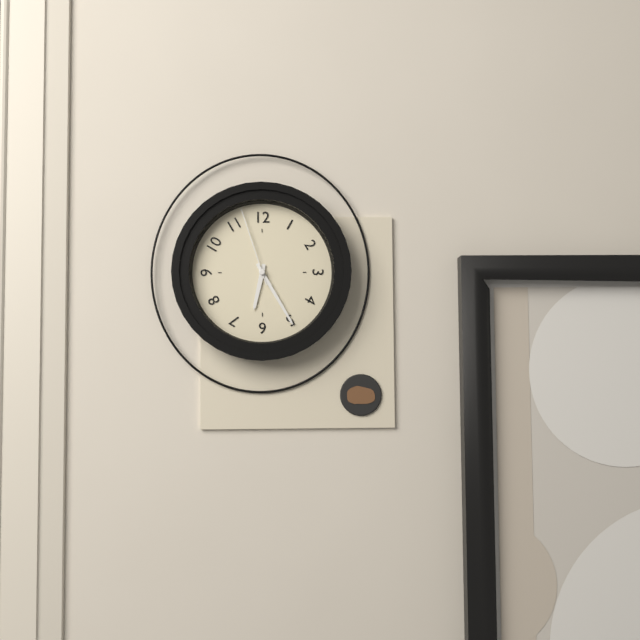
6:25:57
